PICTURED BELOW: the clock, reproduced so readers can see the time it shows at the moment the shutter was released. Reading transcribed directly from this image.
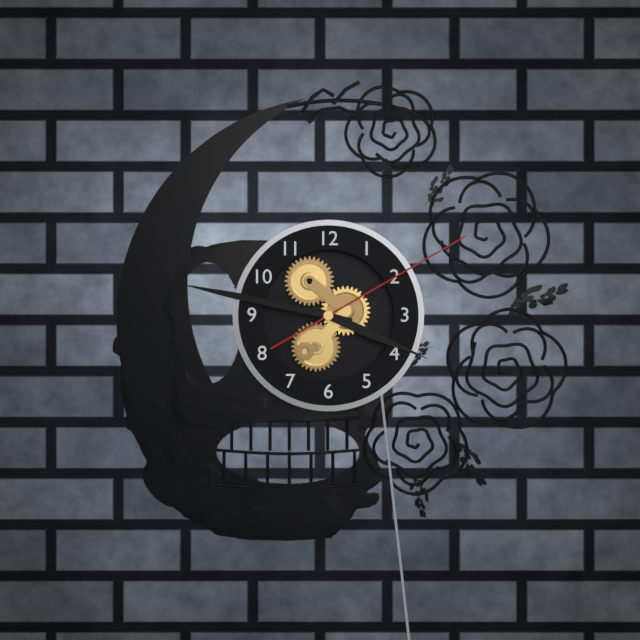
3:47:10
